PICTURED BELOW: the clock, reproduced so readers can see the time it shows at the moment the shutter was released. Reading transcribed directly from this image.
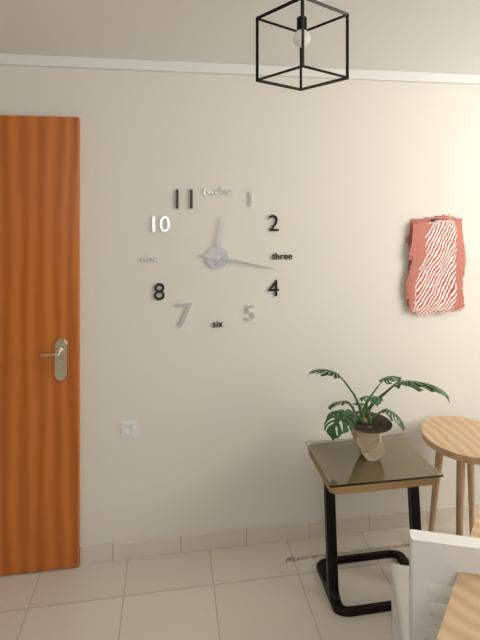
12:17
